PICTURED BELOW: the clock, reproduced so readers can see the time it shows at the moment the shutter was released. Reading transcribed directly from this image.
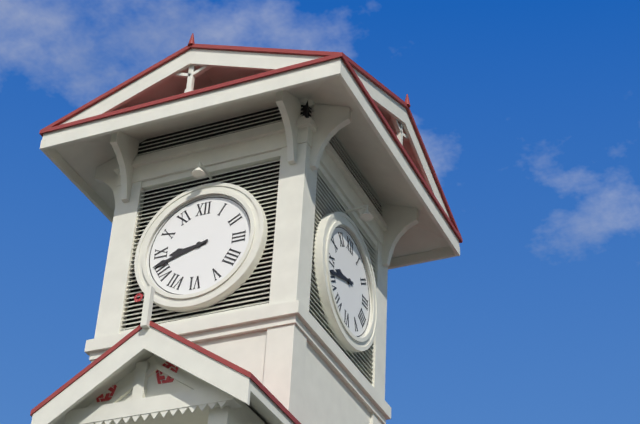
8:42
